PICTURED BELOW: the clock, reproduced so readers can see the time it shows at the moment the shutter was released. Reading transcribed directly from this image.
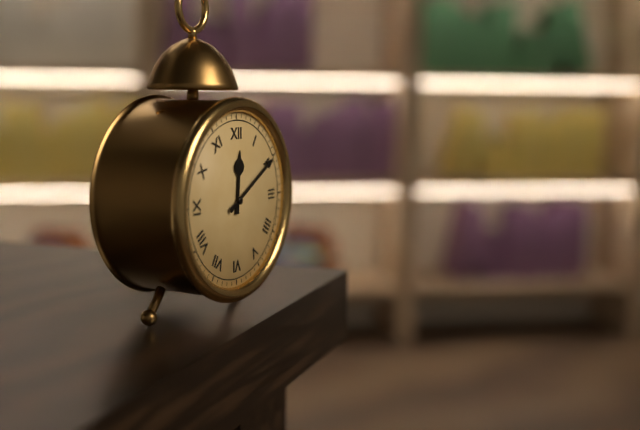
12:10
